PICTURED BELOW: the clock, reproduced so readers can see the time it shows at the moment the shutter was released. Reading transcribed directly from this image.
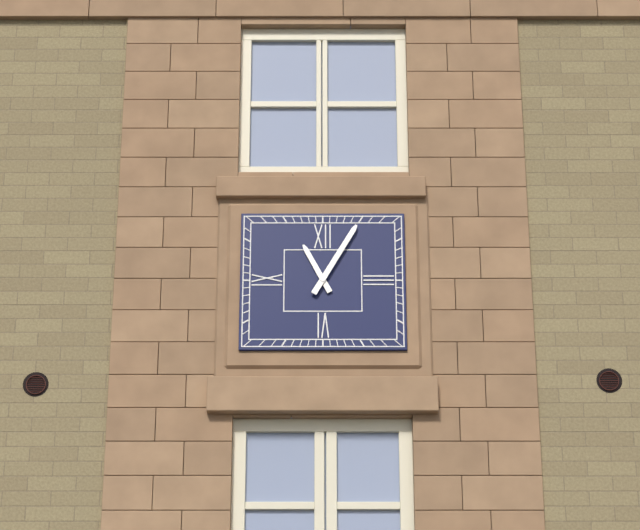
11:05
